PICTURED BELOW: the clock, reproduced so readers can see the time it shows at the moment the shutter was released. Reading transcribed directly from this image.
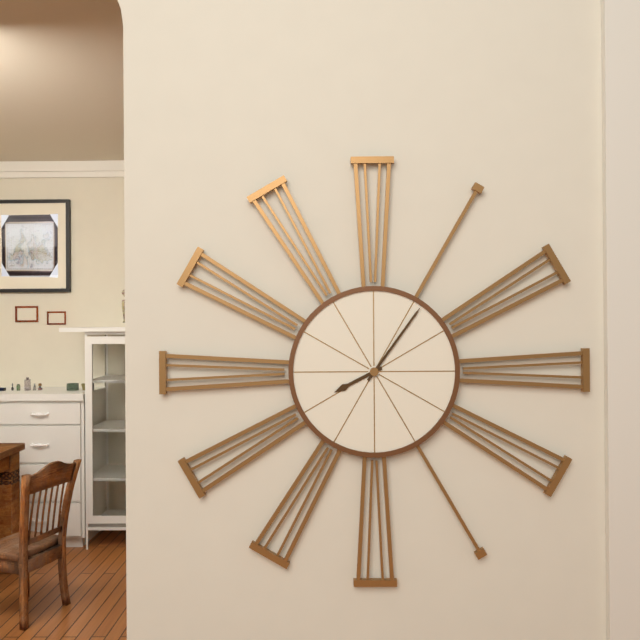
8:06
